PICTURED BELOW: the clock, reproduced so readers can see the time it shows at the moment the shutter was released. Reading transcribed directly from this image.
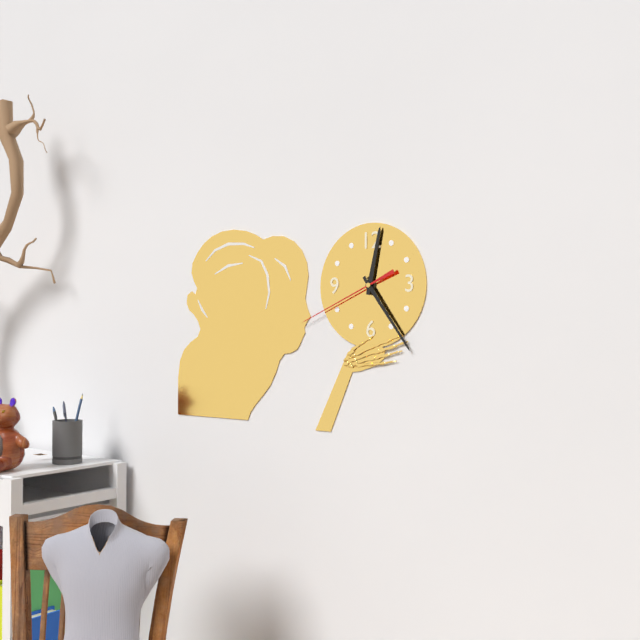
12:24:41
